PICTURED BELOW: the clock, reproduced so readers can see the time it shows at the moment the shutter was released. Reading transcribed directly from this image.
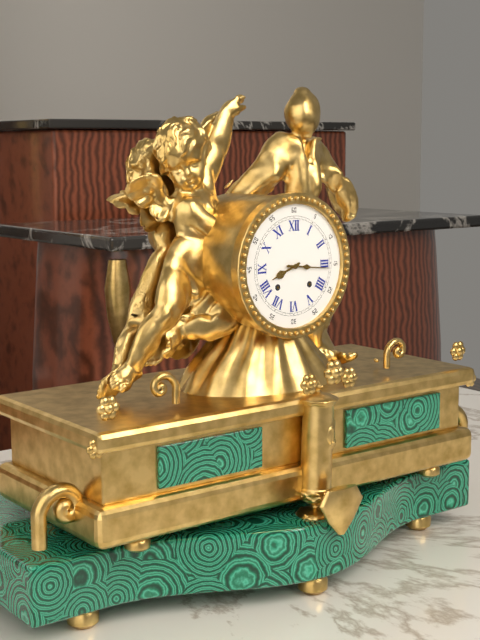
8:16
